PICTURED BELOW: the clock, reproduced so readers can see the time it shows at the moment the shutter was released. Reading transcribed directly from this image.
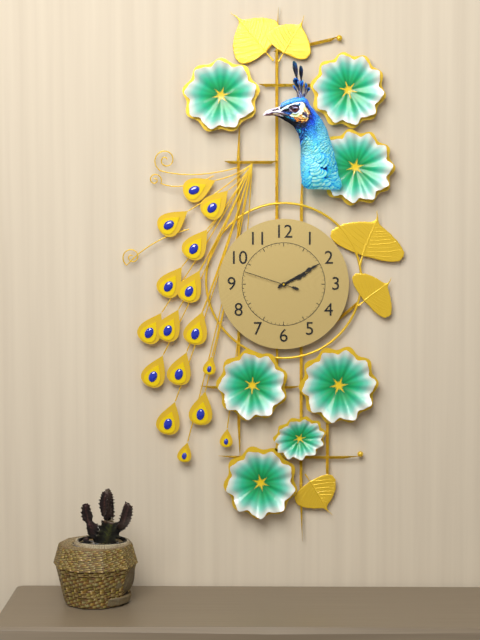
2:10:48
